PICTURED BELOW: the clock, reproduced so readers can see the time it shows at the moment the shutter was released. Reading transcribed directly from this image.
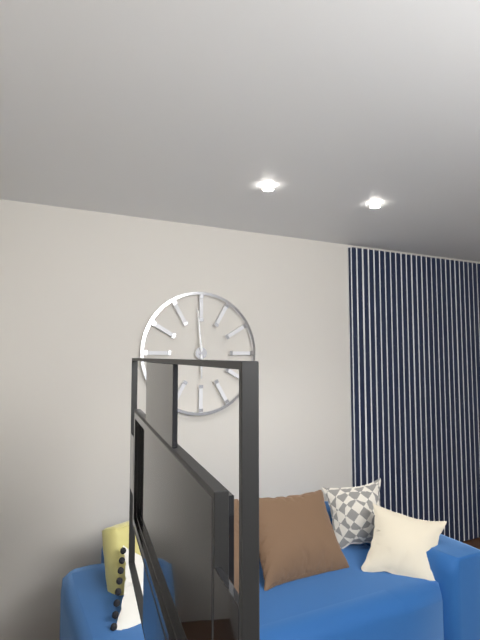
5:59
